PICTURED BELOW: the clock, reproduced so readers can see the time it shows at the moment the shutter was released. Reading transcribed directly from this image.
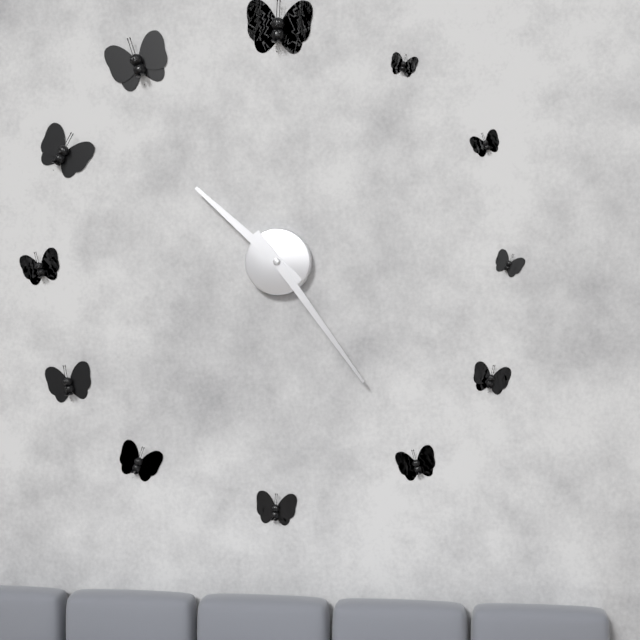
10:24
